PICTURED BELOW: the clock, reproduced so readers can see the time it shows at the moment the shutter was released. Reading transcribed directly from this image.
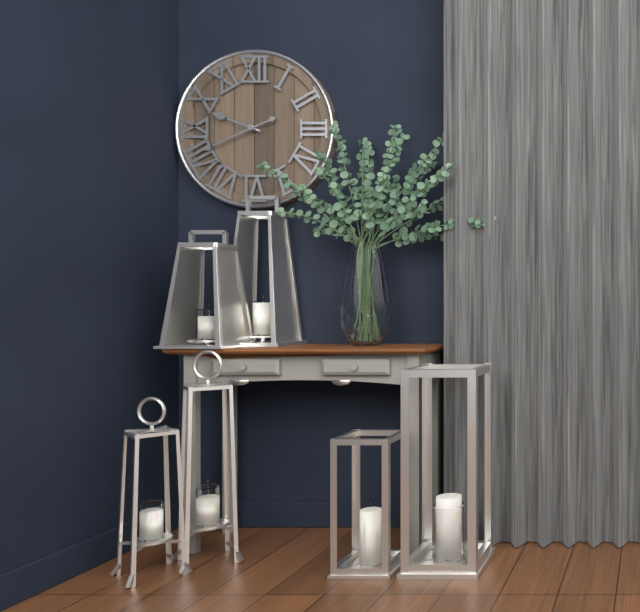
9:41
